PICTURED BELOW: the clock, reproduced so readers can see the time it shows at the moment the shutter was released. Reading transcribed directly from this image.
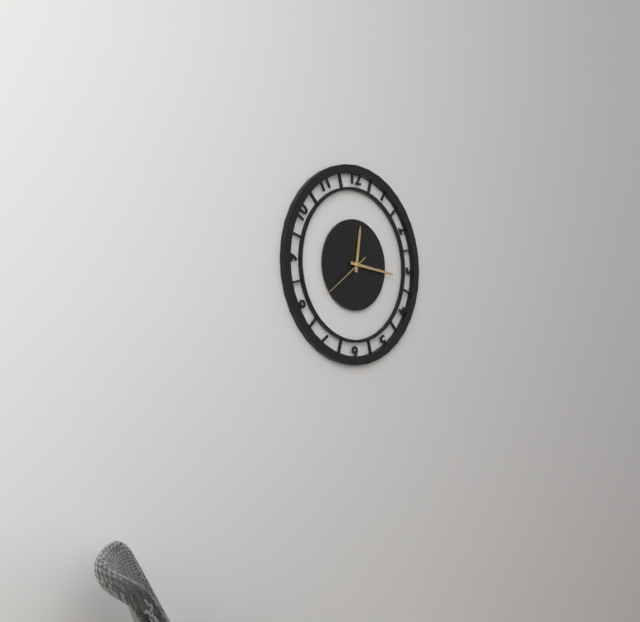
12:16
